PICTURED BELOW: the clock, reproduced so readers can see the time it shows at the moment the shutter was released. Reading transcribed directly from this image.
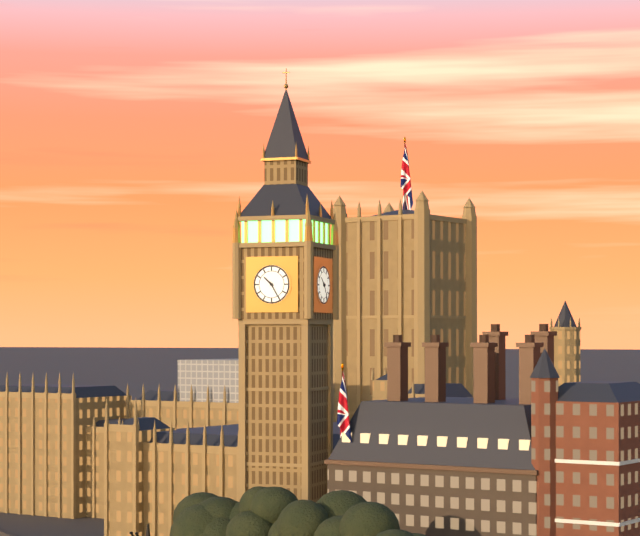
10:25
